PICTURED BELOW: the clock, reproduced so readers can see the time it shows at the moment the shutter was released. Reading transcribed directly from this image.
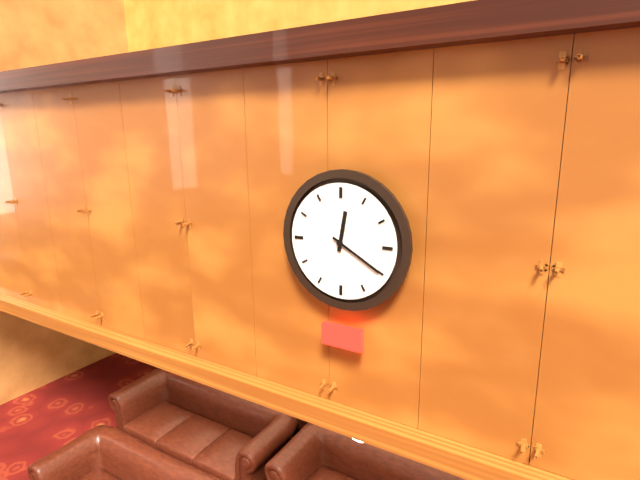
12:20
